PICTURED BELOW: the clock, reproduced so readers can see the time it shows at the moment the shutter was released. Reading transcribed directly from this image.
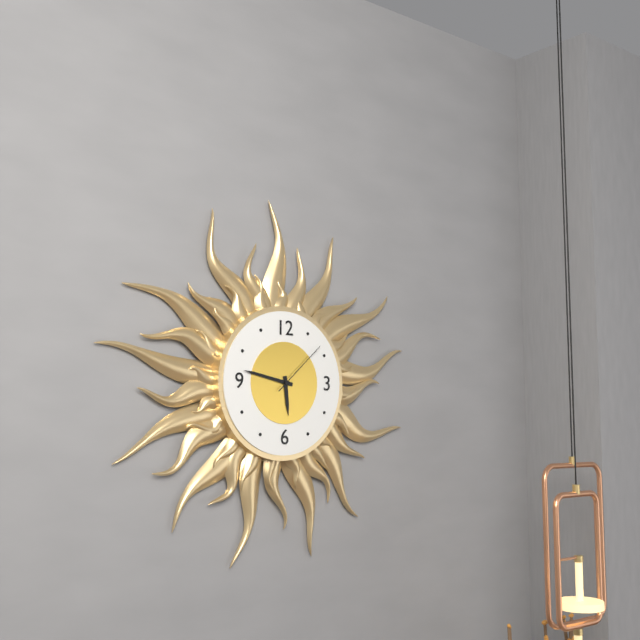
5:47:08
